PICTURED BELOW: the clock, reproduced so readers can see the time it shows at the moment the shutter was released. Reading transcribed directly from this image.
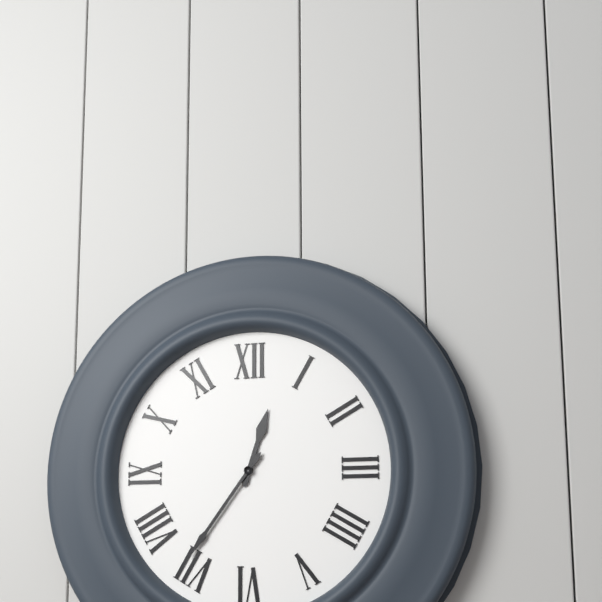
12:36
